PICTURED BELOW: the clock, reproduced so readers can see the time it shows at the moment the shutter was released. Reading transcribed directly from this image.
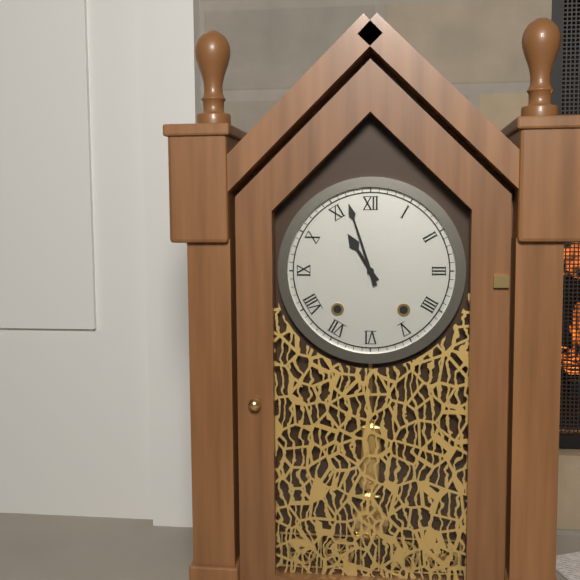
10:57
